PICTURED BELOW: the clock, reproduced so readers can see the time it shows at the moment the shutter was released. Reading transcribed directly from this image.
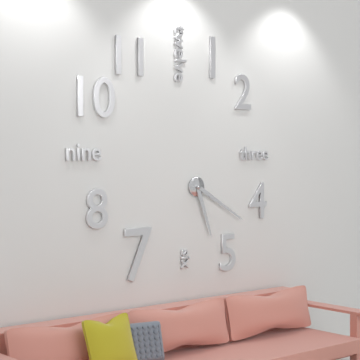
5:20
